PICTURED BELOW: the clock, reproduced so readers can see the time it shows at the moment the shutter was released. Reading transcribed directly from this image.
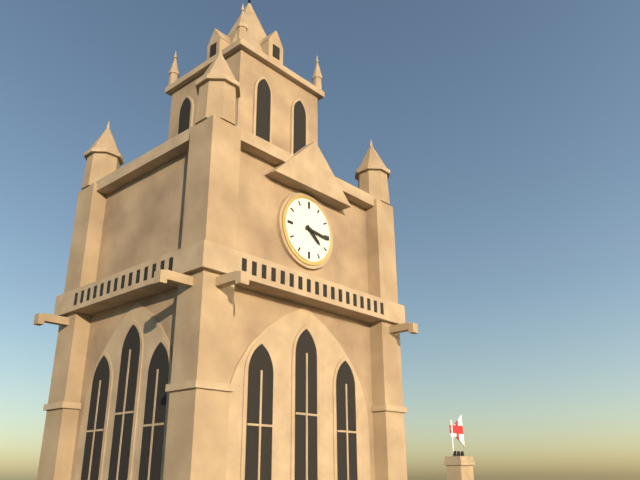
4:16
